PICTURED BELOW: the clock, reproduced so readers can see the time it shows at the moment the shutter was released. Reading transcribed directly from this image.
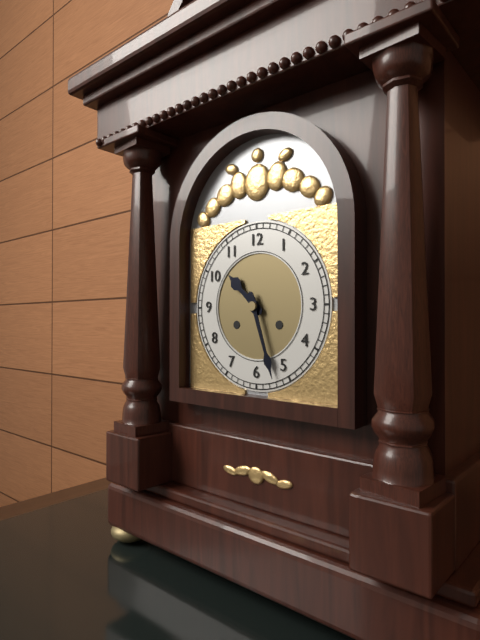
10:27
